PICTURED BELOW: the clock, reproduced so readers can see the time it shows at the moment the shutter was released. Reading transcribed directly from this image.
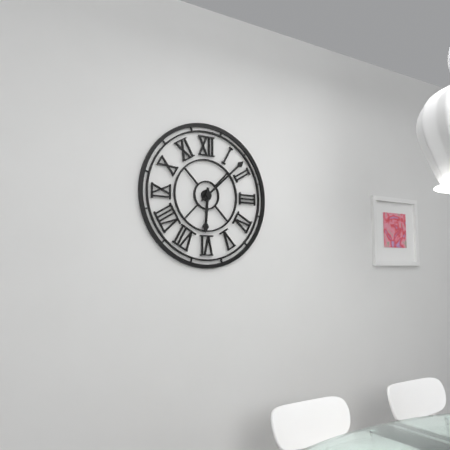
6:08
